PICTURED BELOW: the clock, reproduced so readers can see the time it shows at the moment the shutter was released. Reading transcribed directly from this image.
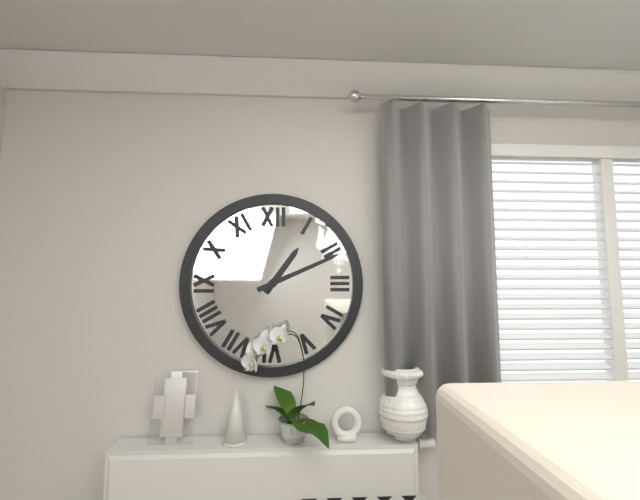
1:11
